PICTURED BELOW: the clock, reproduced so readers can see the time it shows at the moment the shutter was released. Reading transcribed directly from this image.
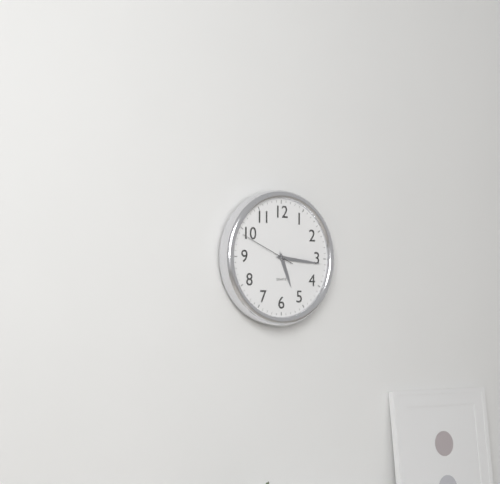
5:16:49
